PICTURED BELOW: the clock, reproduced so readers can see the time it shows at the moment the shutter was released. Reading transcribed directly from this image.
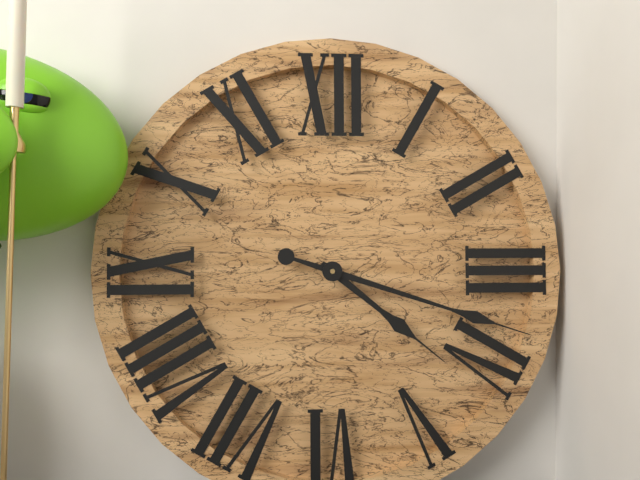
4:18
